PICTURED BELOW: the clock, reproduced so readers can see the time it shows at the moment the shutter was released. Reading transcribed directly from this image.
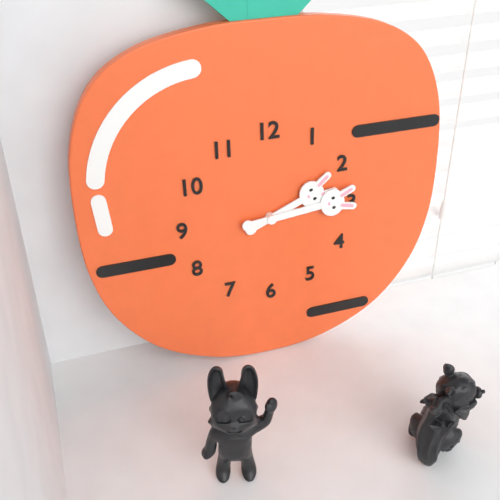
2:14
